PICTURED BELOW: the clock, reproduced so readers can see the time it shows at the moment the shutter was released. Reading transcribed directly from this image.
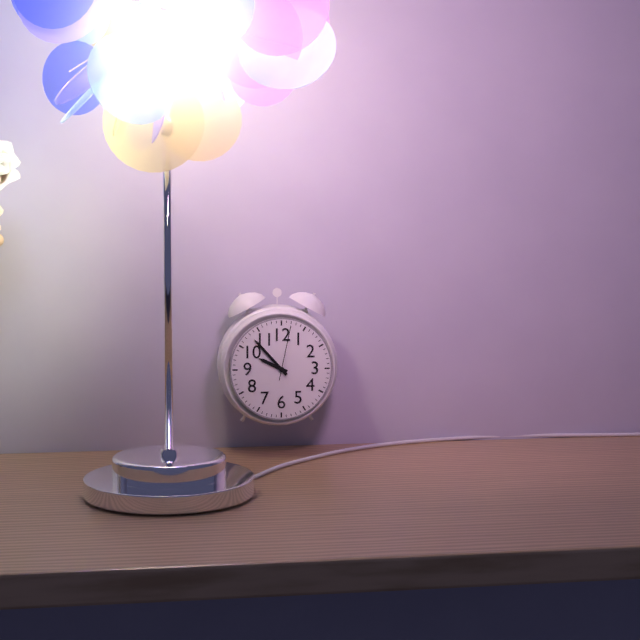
9:53:02
